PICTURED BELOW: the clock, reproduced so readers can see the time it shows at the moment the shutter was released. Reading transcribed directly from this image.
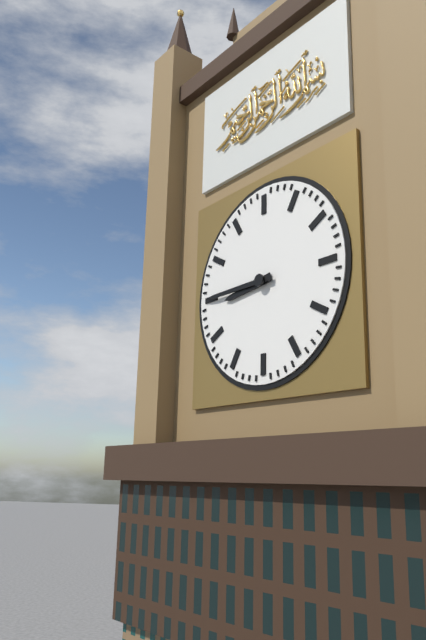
8:45
